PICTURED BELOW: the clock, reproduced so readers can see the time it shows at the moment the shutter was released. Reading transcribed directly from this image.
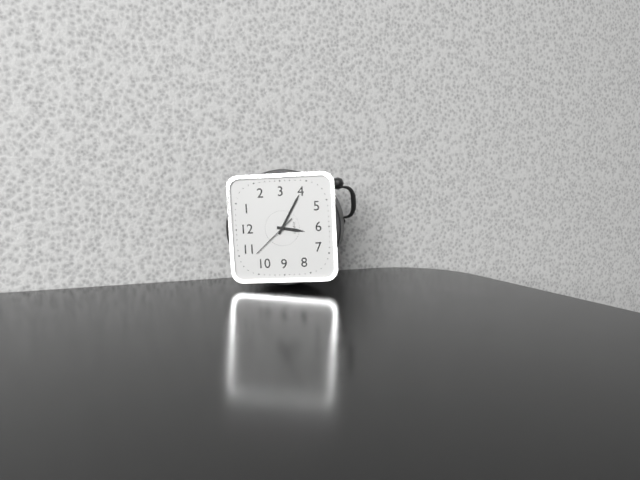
6:20
